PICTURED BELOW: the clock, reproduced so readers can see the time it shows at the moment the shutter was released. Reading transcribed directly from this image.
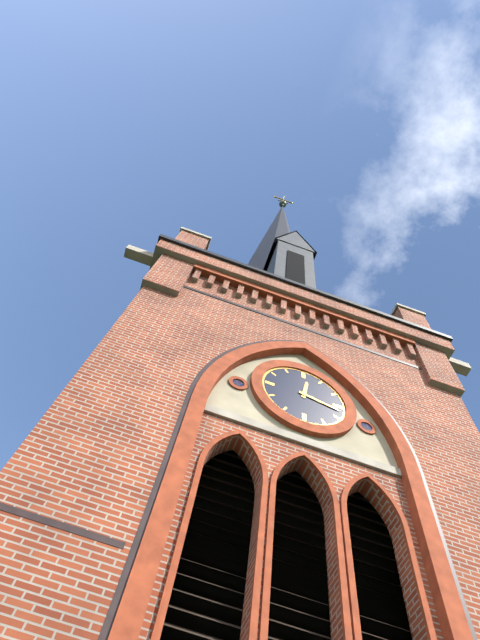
12:17
